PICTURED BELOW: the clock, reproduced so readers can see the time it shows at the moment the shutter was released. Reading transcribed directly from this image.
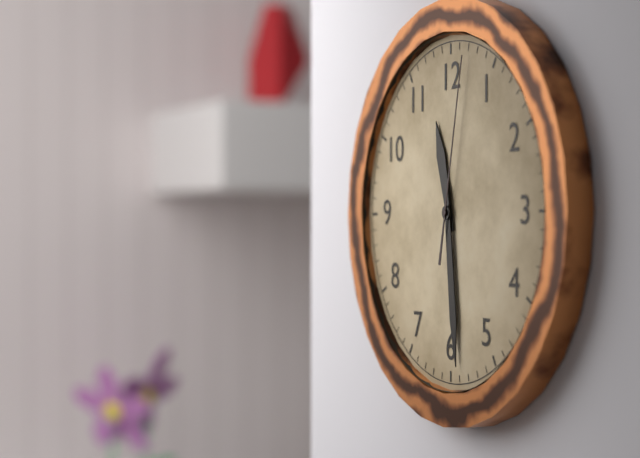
11:29:02
